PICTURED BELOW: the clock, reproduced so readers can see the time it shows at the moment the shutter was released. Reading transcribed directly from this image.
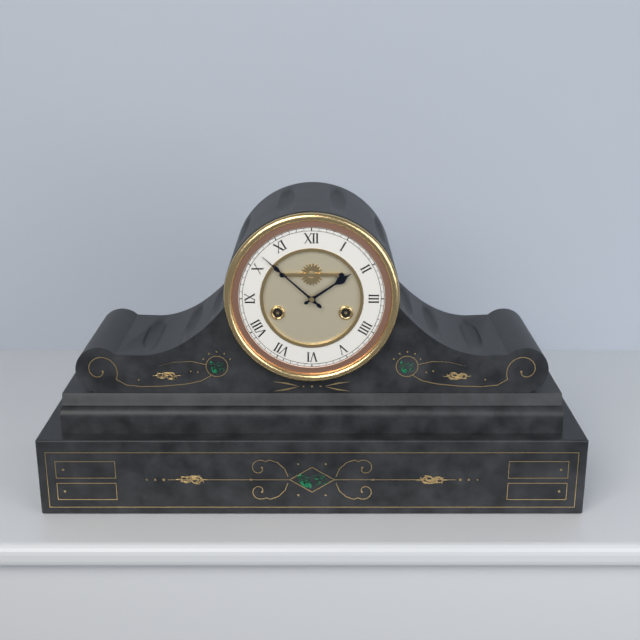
1:52
